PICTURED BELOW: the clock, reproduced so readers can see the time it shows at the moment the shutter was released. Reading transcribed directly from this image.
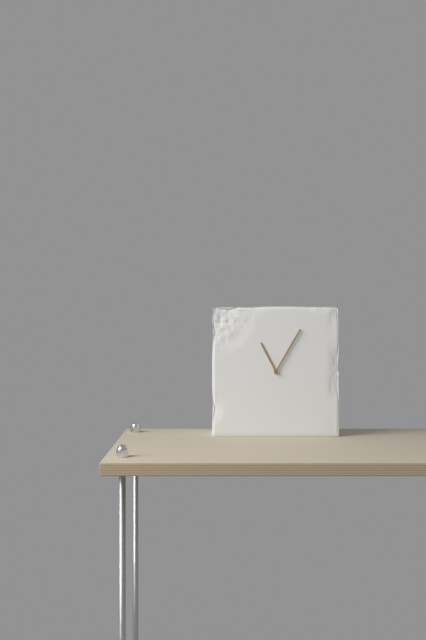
11:05
